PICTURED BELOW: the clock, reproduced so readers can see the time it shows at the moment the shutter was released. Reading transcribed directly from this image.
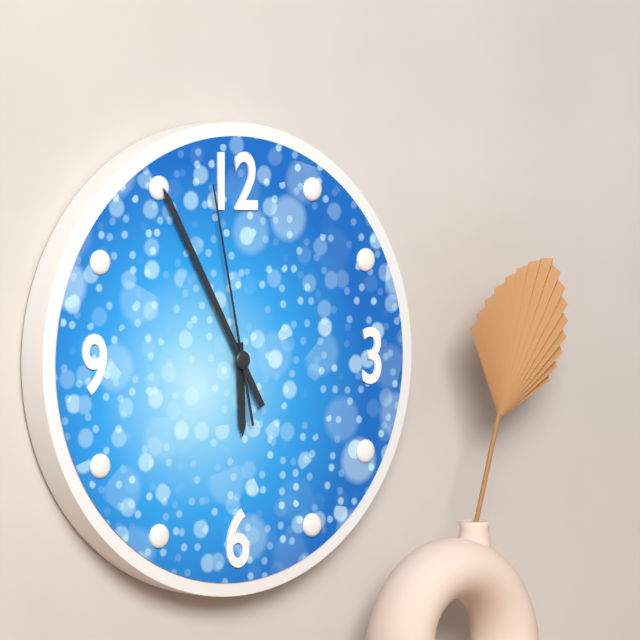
5:55:58
